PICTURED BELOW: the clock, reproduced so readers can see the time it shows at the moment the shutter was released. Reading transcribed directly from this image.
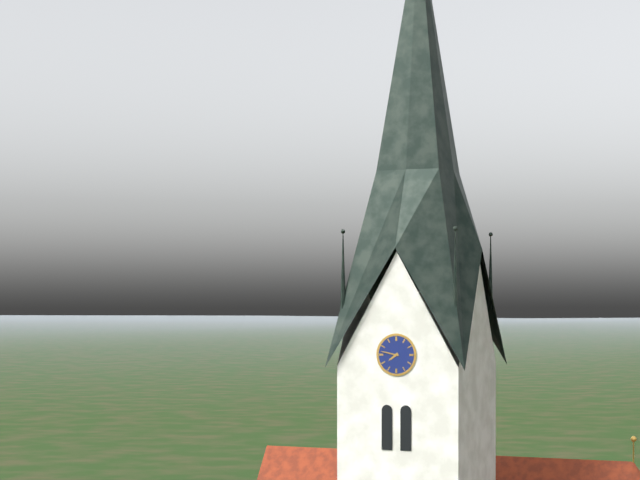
7:47
